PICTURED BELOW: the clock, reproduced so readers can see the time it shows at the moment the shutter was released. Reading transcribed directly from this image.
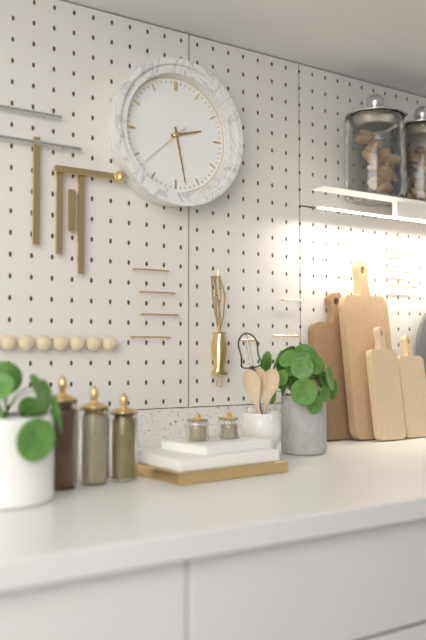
2:28:38
